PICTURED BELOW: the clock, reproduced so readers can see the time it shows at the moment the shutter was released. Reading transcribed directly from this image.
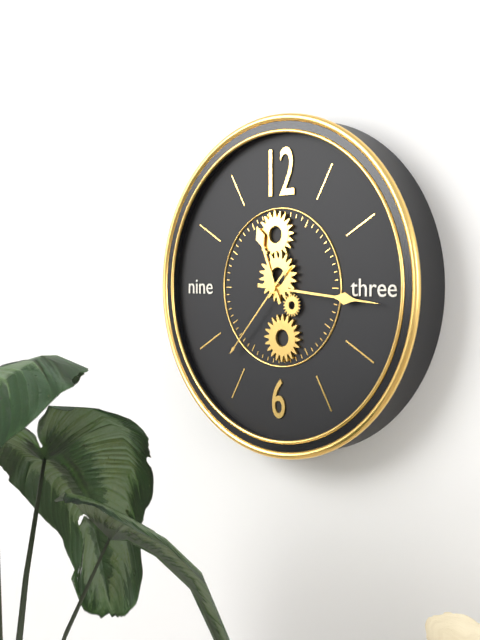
11:16:37
